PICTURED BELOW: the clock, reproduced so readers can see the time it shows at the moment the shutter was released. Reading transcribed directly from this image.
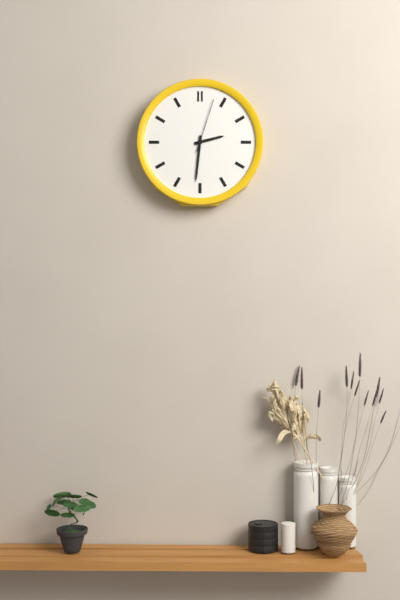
2:31:03
